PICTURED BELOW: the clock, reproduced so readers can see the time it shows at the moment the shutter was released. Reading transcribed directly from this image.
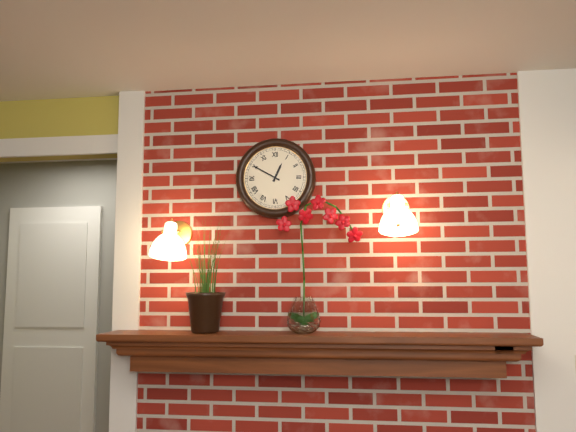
12:50
